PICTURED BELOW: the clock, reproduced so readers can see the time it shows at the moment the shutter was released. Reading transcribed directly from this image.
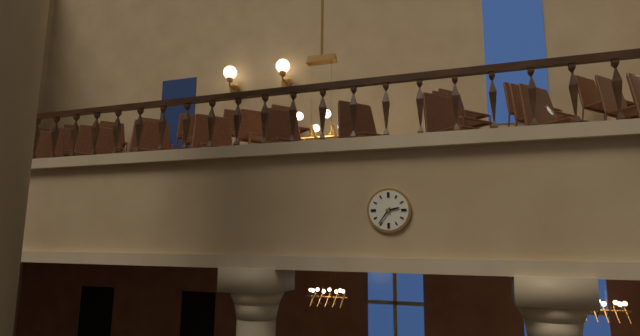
2:36
